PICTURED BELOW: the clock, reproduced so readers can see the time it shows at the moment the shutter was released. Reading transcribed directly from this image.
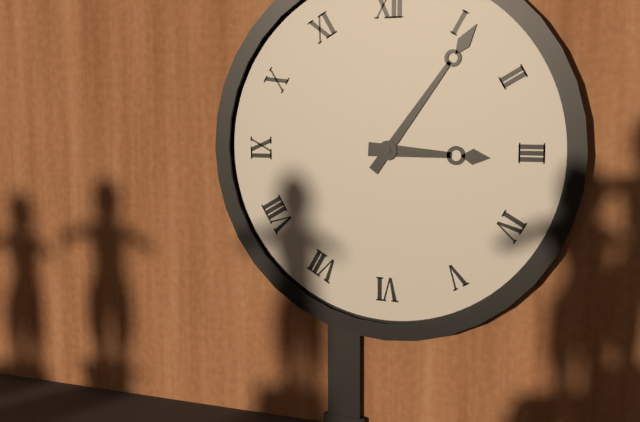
3:06
